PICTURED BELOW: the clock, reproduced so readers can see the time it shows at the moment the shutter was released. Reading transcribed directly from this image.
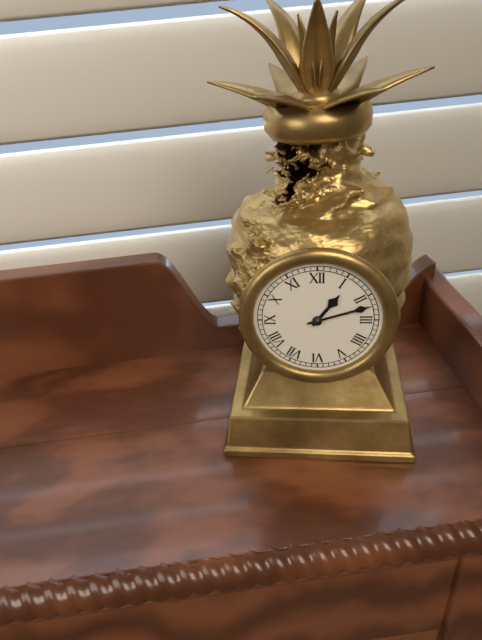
1:12
